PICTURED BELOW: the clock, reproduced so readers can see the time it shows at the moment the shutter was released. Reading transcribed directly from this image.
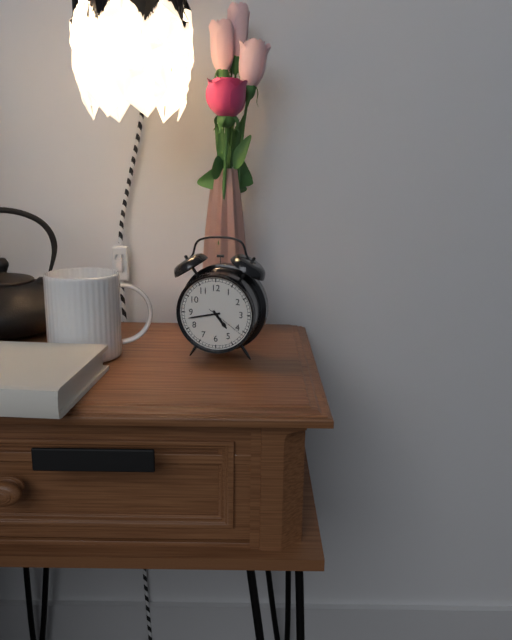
4:43
